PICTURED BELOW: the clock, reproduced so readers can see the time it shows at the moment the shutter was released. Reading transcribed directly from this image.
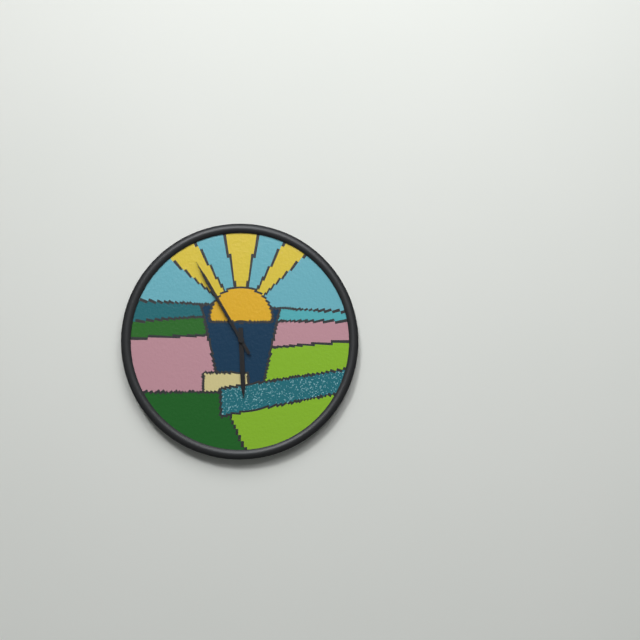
5:55
